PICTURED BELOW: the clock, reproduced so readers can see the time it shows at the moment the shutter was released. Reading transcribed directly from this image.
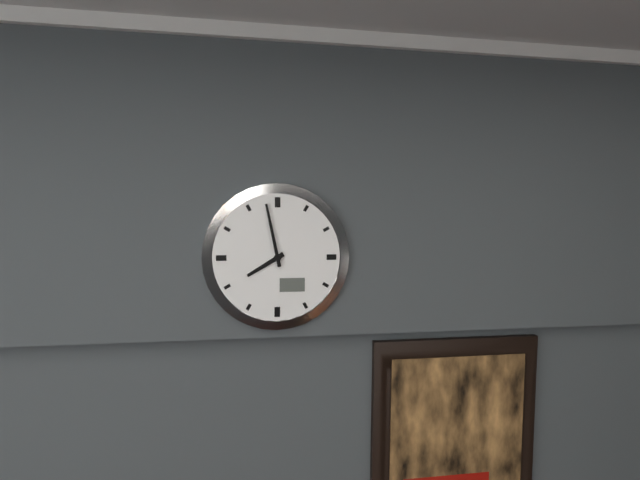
7:58
